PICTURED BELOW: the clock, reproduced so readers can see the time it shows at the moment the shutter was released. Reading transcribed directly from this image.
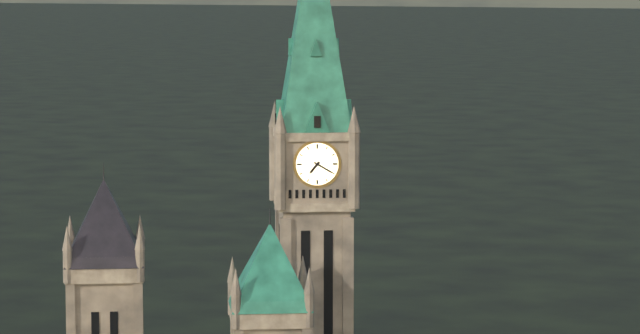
7:20
